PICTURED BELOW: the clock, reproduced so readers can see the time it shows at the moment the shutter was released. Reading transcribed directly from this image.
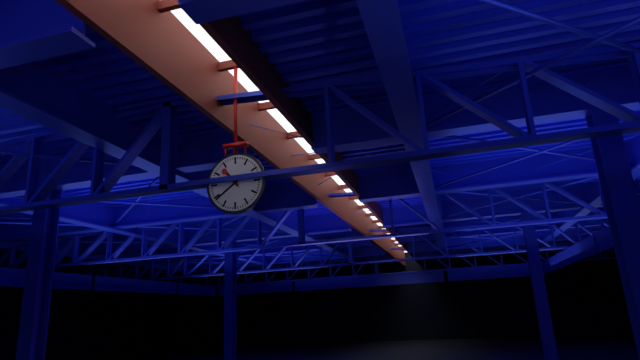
10:39
